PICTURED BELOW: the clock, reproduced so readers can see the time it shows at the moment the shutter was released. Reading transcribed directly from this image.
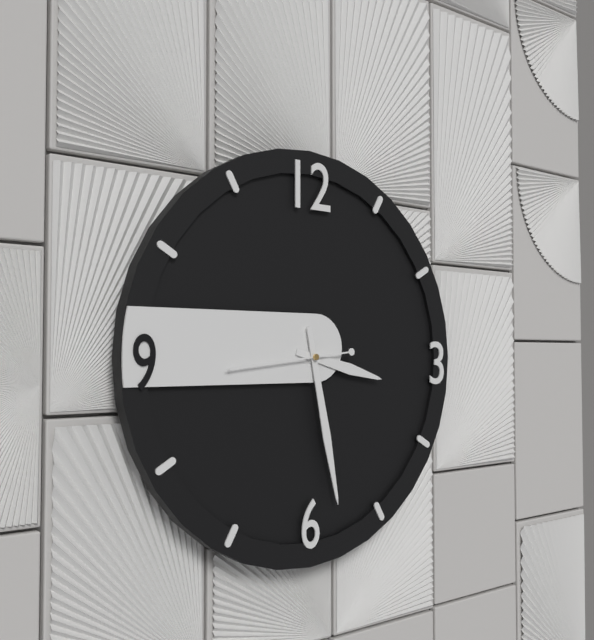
3:28:44
